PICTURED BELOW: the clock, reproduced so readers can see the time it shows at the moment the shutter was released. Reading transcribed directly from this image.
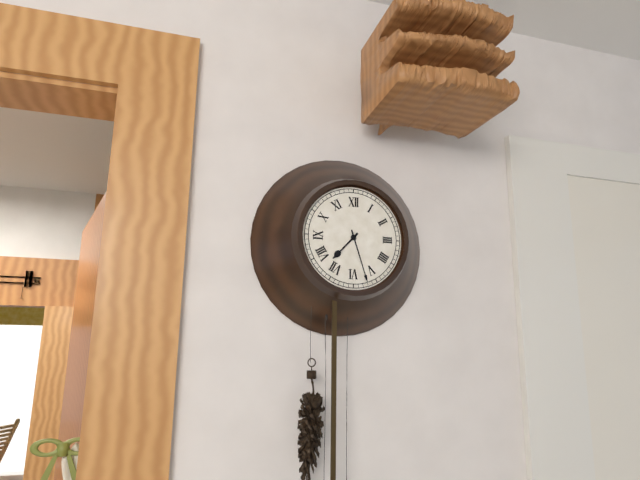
7:27
